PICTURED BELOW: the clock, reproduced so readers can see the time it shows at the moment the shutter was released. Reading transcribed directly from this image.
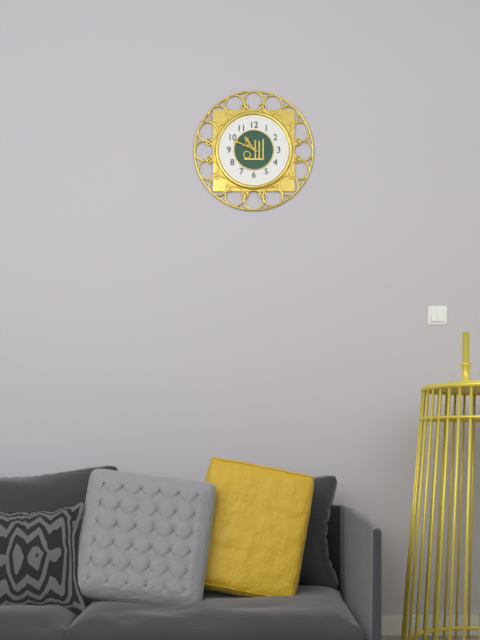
10:49
